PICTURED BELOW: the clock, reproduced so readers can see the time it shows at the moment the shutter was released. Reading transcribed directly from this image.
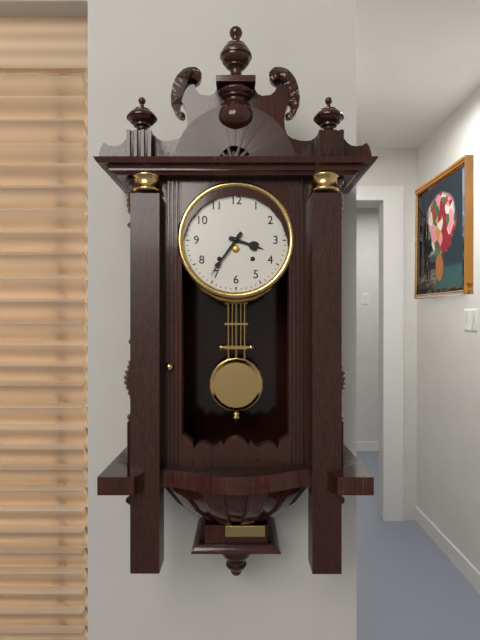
3:36
